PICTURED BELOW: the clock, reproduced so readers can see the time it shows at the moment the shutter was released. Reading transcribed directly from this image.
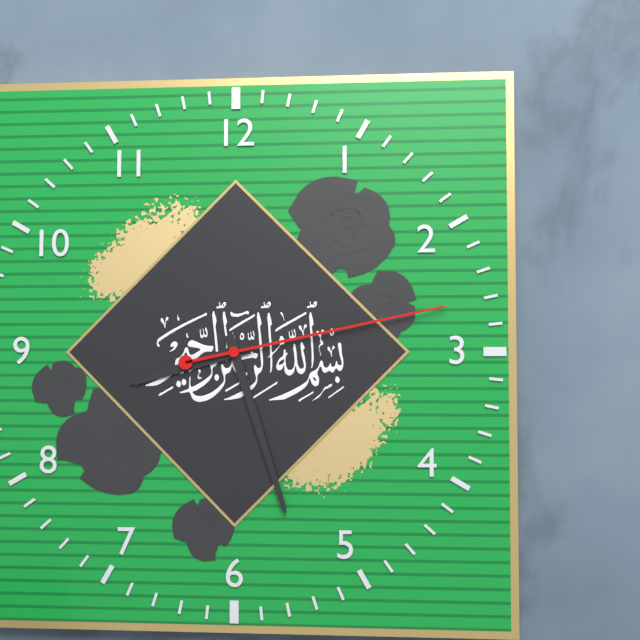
8:27:13
